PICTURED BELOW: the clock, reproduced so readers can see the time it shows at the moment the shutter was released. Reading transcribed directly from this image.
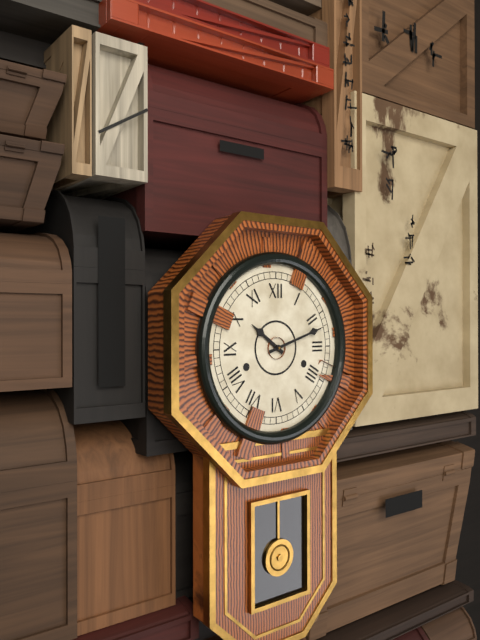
10:12
